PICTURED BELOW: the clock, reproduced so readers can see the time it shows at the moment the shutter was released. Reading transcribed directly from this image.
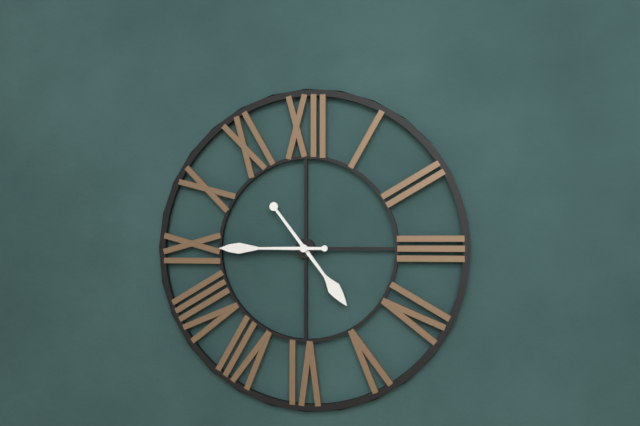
4:45
